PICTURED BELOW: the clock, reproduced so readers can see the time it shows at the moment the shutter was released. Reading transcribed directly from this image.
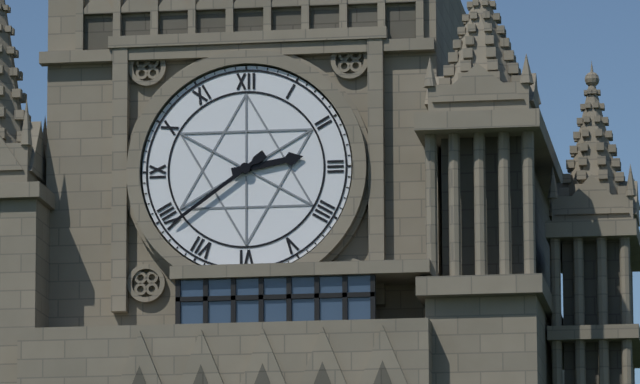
2:39
